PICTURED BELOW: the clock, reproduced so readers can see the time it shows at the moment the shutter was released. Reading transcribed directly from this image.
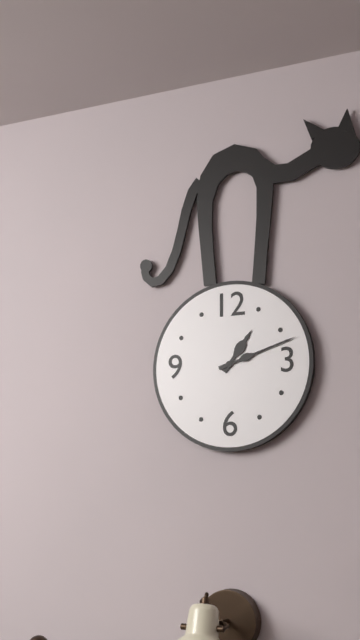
1:12
